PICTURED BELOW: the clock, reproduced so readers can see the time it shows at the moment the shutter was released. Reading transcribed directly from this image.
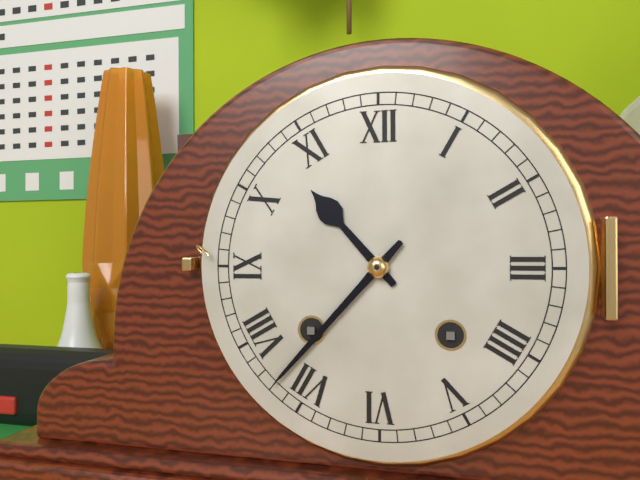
10:37
